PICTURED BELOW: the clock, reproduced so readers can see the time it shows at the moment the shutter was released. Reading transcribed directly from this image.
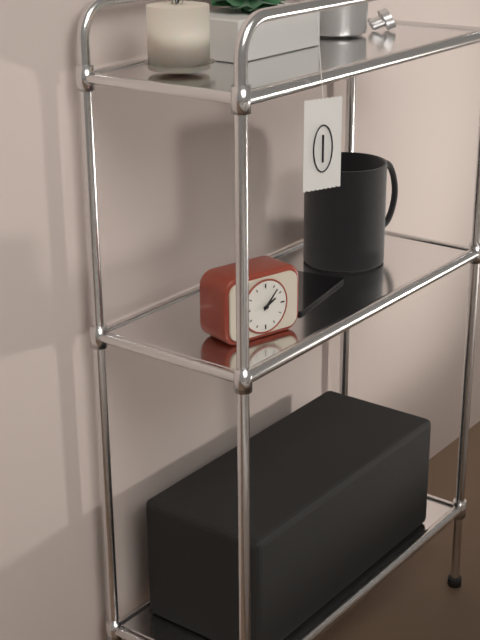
2:07
